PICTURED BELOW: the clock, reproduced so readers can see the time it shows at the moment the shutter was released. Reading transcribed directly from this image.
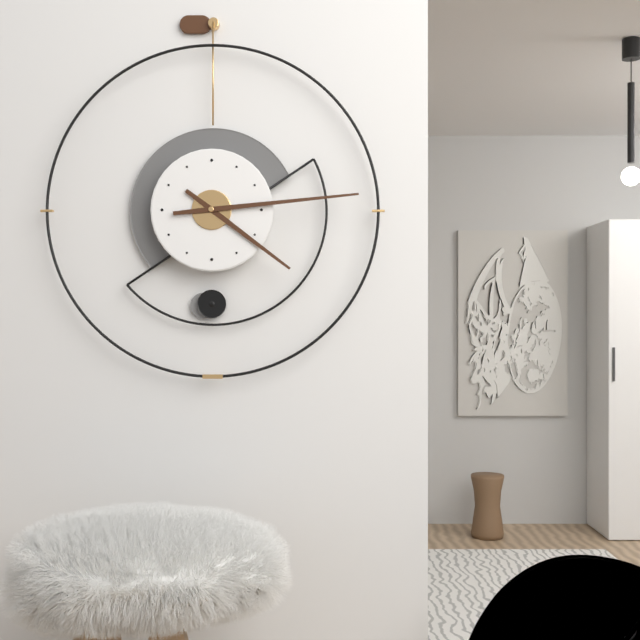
4:14
